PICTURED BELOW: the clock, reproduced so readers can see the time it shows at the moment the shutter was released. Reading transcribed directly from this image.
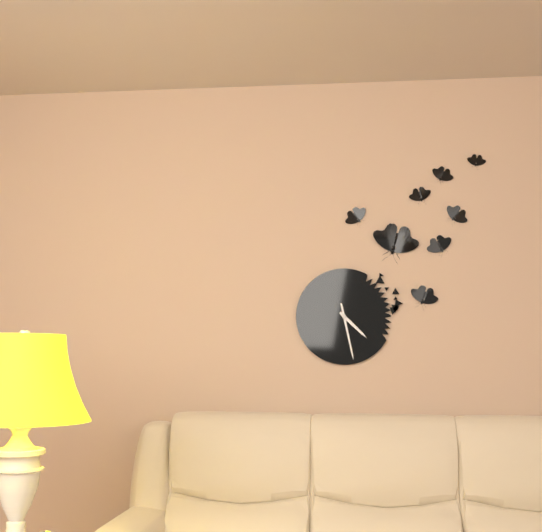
4:28
